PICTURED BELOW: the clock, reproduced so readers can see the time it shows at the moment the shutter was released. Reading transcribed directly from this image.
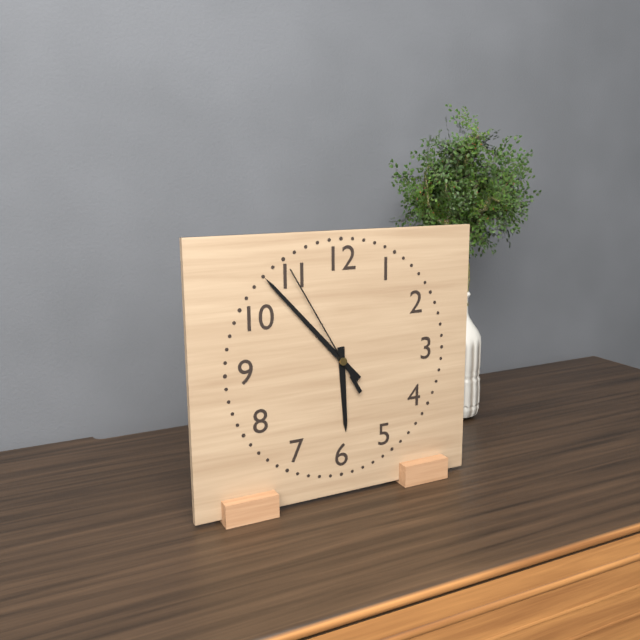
5:53:55
